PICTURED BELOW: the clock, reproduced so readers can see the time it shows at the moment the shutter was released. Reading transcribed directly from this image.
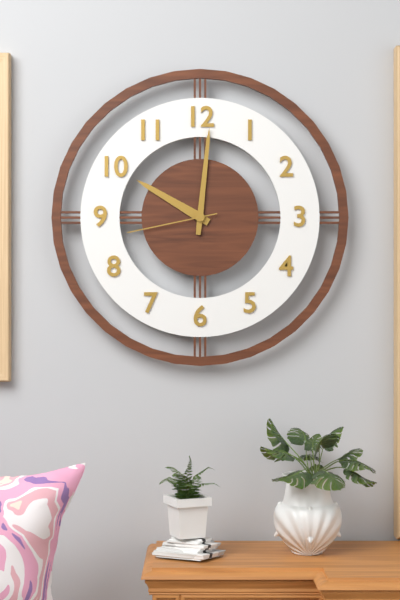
10:01:43
